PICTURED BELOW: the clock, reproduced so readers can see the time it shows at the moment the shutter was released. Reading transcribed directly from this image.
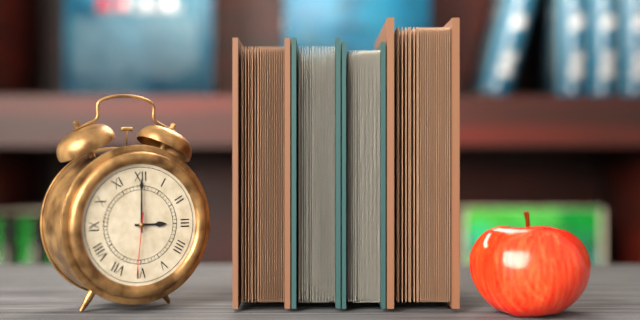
3:00:31
